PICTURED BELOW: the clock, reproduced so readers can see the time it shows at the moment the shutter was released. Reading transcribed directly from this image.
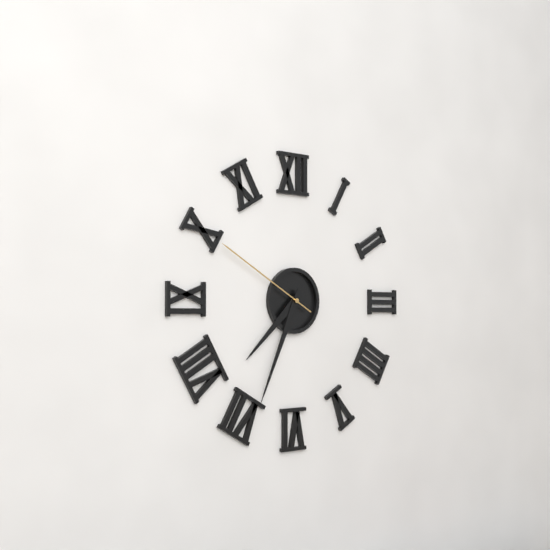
7:34:50
